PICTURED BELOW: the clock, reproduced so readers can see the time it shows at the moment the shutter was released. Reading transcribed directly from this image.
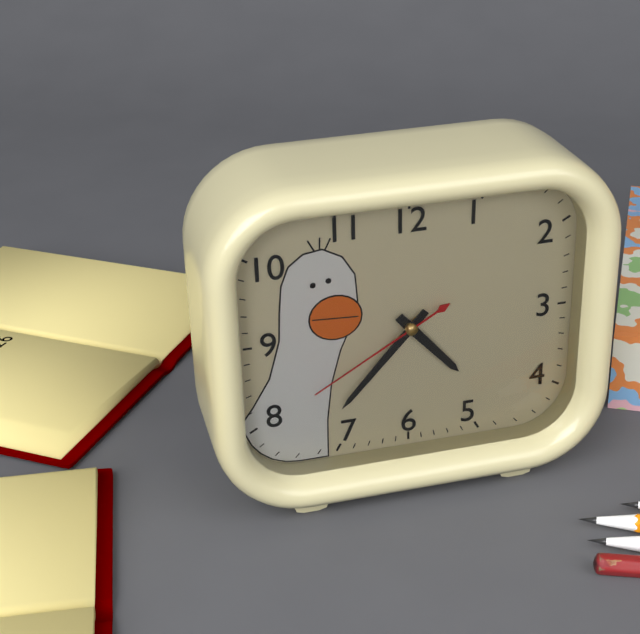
4:37:40
